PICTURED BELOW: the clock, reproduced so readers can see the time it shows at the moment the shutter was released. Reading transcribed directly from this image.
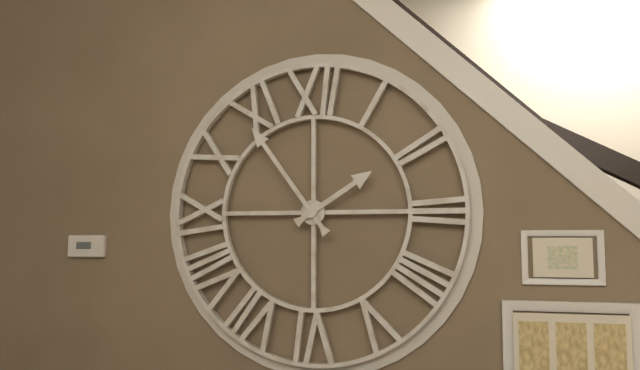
1:54
